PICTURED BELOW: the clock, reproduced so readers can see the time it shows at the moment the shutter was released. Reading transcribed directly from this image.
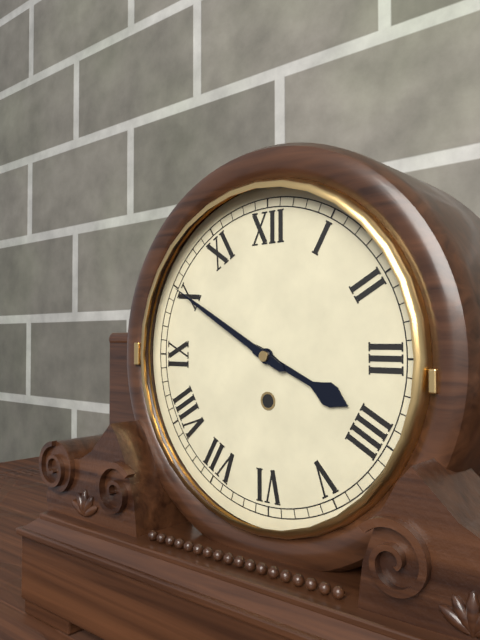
3:50
